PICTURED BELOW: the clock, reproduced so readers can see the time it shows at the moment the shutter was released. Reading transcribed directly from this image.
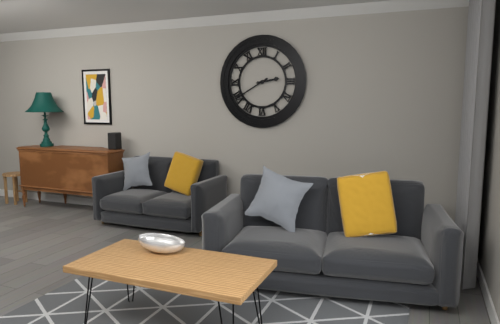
2:40
